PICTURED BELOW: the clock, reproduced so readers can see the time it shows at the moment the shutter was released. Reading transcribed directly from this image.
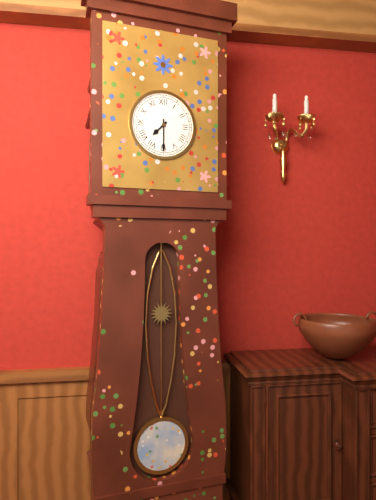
7:30
